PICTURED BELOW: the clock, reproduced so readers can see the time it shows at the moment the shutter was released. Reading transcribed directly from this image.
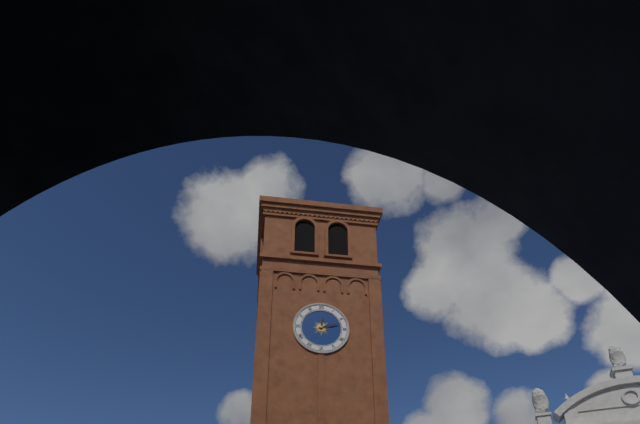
12:12
